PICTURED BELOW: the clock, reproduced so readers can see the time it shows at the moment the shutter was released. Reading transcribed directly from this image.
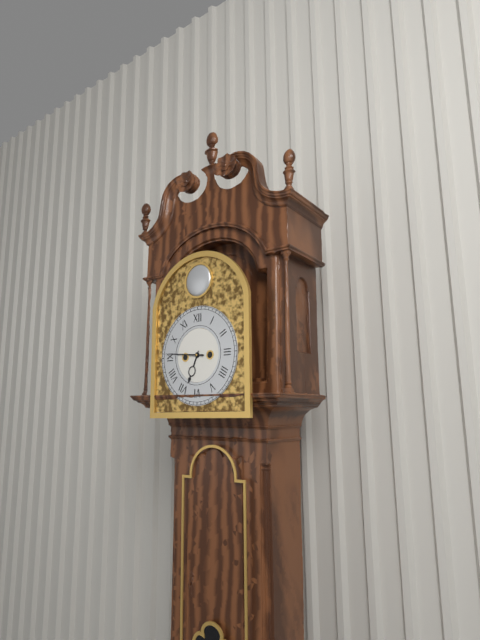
6:46
